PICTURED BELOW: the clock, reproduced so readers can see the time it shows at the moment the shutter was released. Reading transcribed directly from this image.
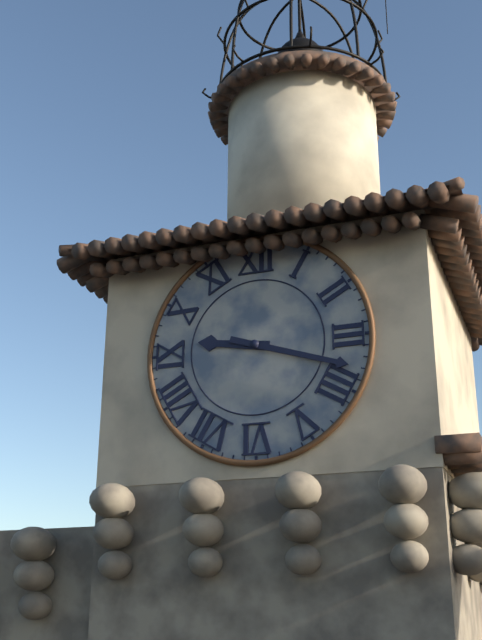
9:18
